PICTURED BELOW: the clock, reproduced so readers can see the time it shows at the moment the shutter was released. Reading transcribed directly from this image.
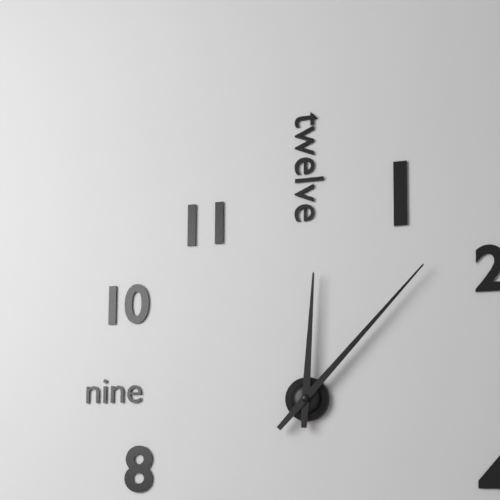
12:07
